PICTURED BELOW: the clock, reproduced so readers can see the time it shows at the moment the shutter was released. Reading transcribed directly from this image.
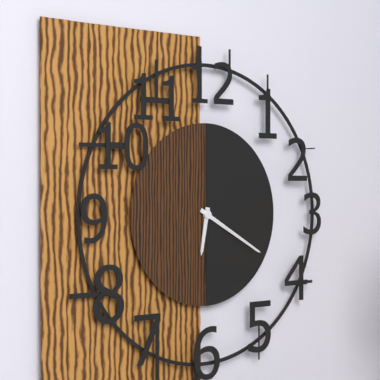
6:20
